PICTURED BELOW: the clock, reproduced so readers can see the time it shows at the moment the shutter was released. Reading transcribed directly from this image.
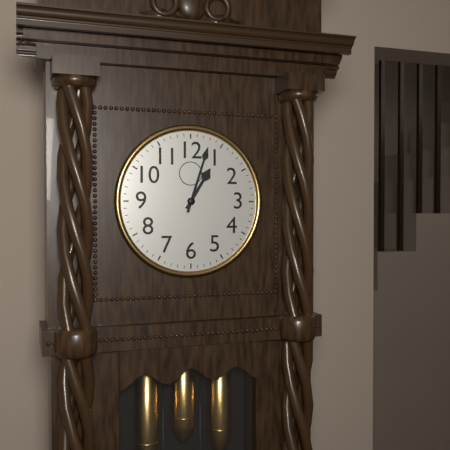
1:03
